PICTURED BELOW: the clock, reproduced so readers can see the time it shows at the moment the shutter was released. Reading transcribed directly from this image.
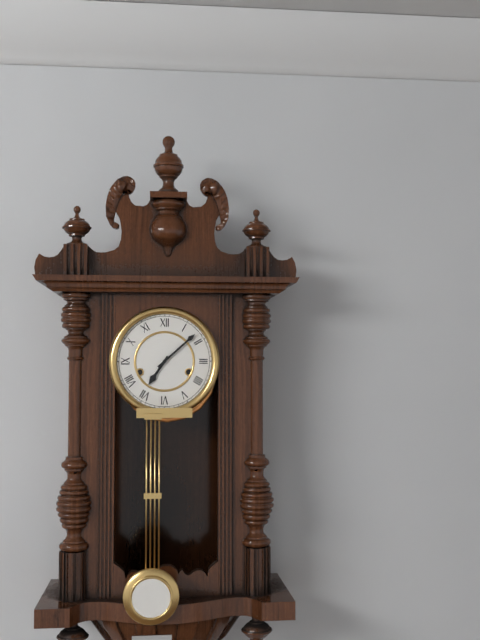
7:08
